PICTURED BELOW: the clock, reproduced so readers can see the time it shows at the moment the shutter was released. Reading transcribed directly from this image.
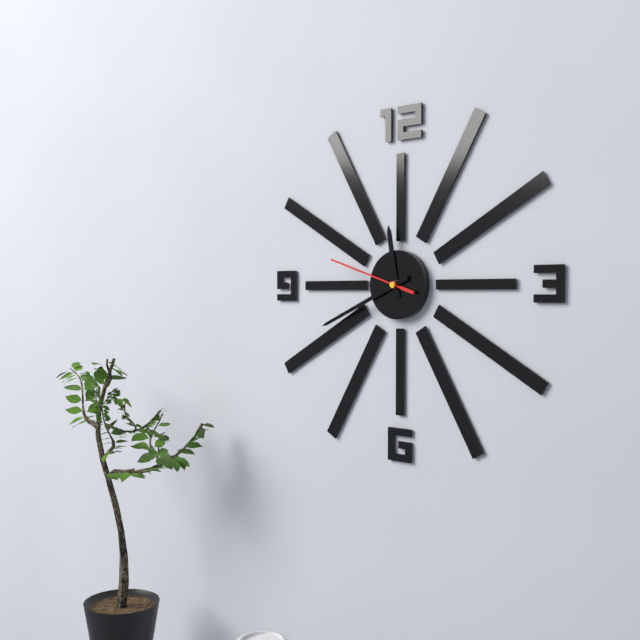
11:41:48
